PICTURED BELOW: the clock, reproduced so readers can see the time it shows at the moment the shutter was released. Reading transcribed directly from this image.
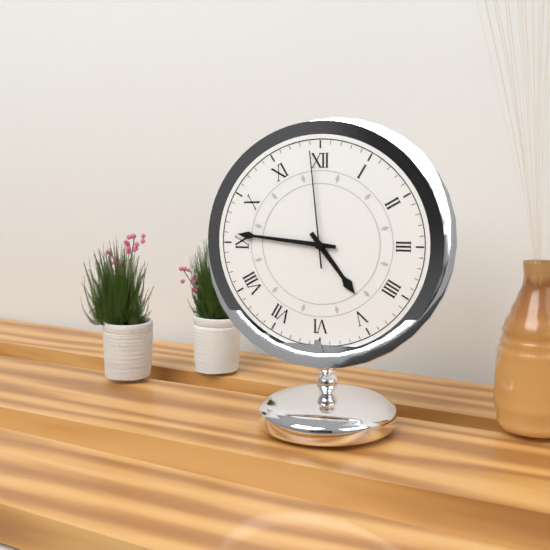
4:46:59
